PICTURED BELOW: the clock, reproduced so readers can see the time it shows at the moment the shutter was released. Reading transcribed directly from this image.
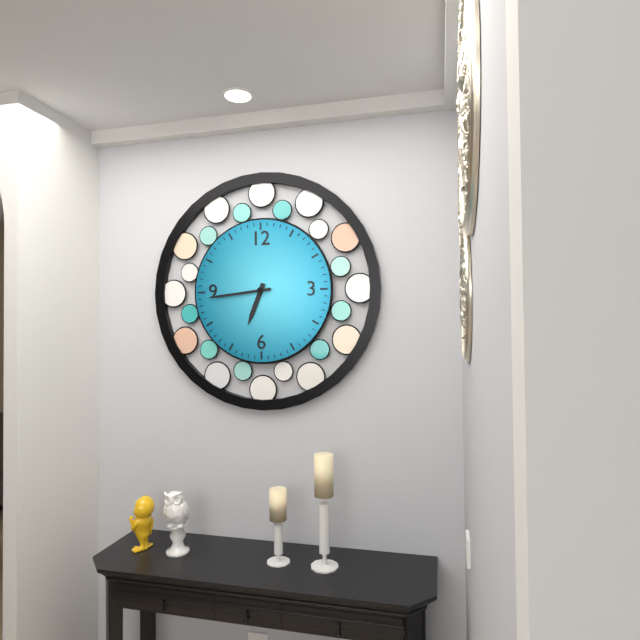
6:44
